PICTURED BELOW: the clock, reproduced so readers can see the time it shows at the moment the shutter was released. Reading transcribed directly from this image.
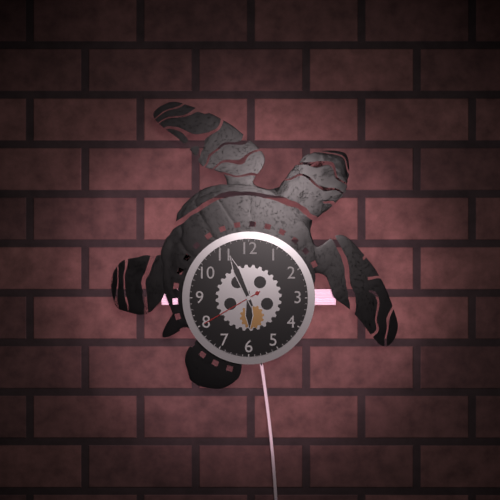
5:56:40
